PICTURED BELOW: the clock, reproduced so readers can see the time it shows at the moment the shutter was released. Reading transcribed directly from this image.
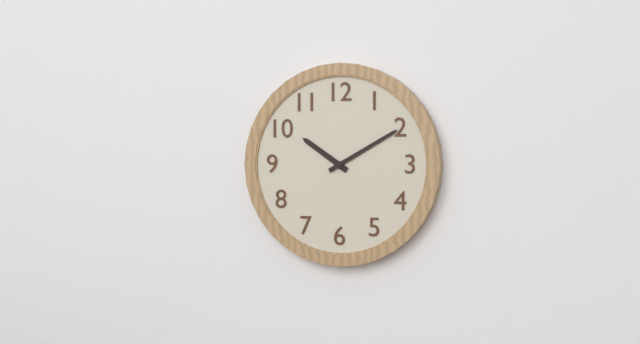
10:10
